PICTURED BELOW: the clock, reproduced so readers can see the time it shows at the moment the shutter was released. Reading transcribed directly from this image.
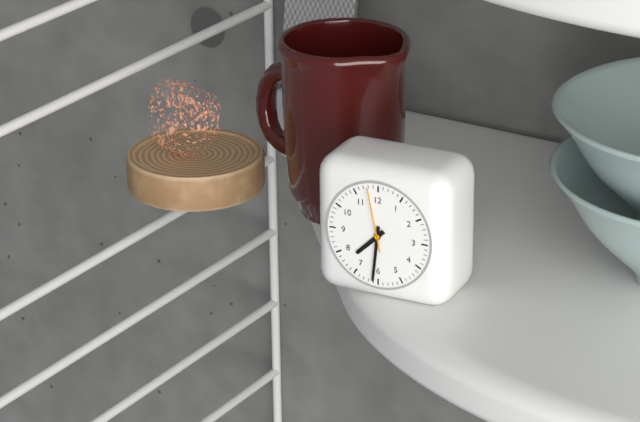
7:31:58
